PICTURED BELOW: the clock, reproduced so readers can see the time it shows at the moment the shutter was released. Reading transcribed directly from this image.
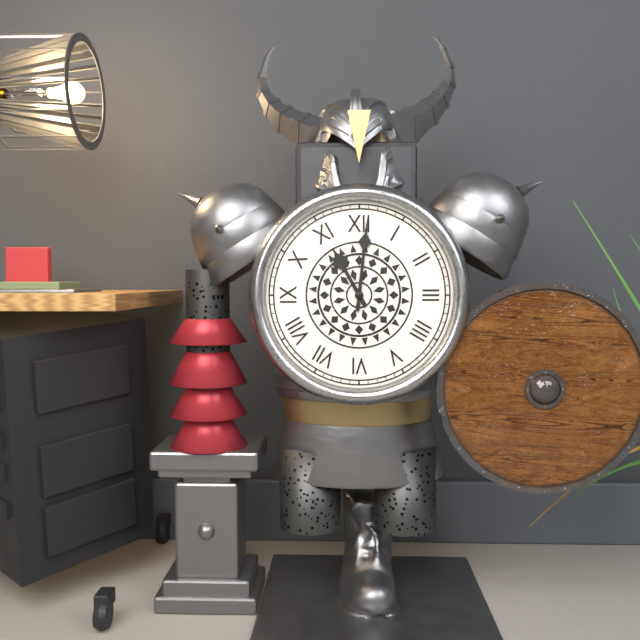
11:01
